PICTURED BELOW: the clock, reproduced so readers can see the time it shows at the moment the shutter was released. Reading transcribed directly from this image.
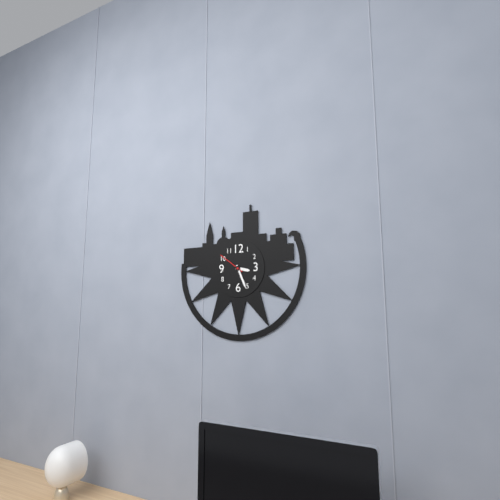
3:26
